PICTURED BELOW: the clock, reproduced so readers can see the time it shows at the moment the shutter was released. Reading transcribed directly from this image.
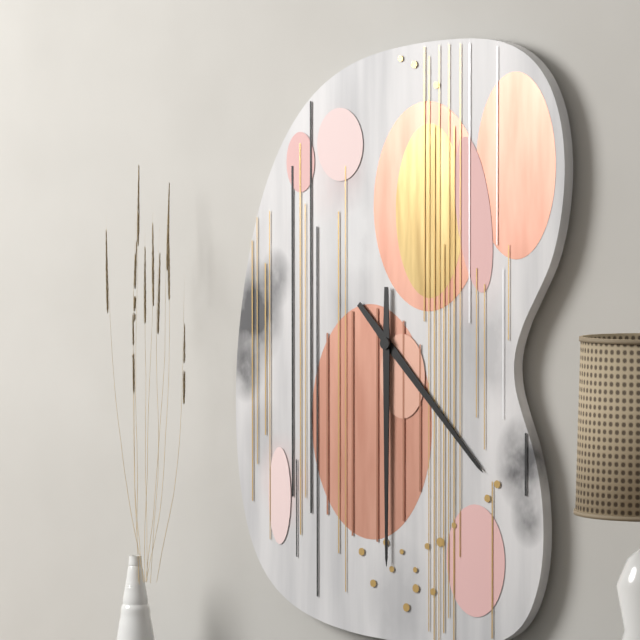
4:30
